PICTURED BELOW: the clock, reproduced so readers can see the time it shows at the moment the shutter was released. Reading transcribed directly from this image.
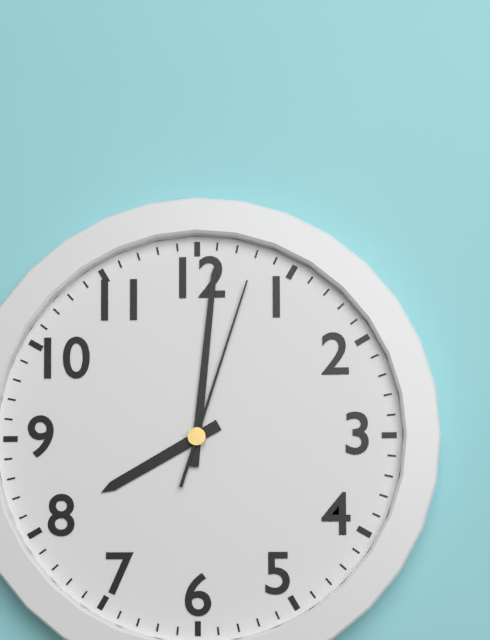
8:01:03
